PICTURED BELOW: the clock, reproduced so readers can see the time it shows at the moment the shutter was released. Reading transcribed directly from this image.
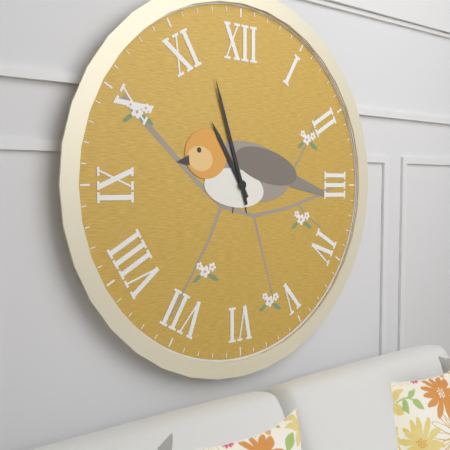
10:57
